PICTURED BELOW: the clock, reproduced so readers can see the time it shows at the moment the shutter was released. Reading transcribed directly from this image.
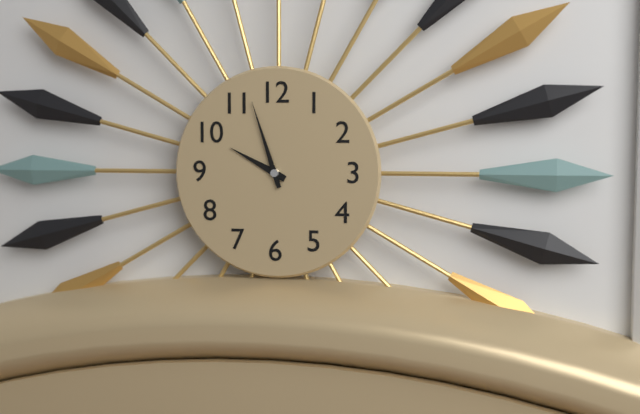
9:57
